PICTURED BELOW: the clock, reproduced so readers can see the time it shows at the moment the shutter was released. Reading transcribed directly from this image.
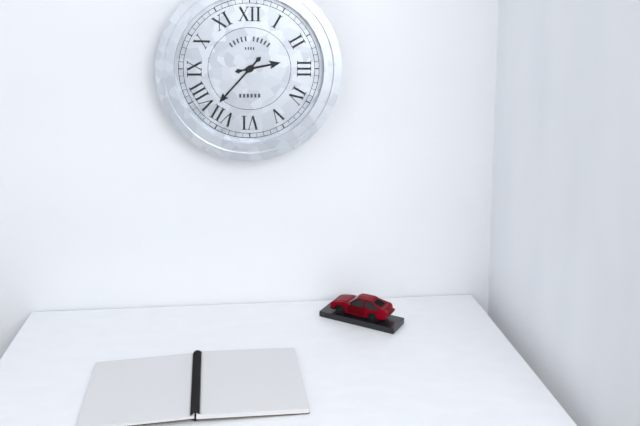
2:37
